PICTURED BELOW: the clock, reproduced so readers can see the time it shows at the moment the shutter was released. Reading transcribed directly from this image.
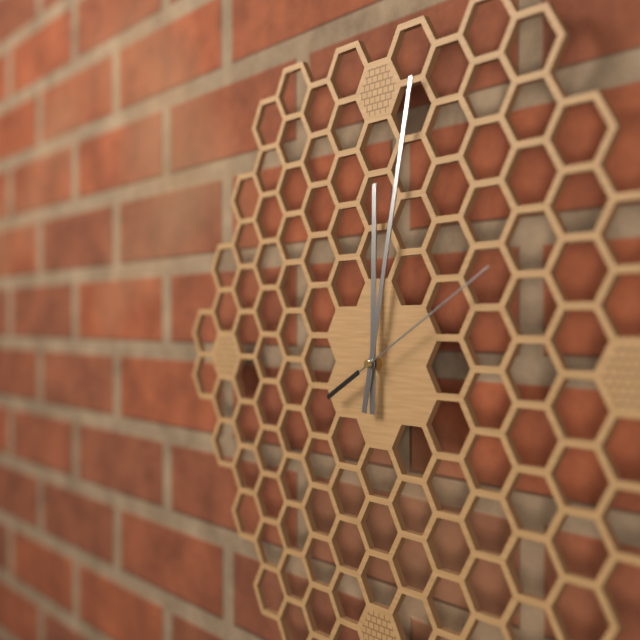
12:02:10
